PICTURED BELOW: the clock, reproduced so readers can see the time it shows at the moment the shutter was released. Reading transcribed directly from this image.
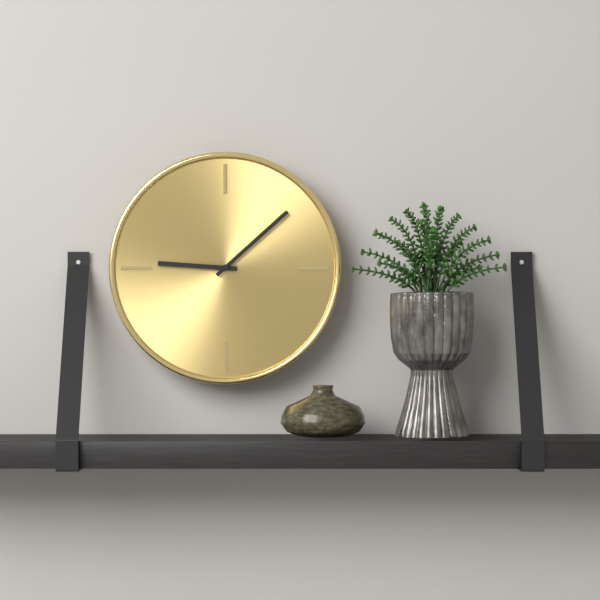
9:08
